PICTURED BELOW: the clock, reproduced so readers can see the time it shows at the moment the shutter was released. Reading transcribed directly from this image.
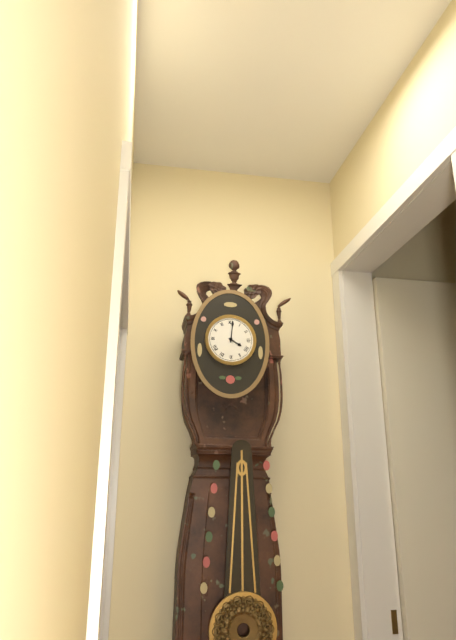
4:01
